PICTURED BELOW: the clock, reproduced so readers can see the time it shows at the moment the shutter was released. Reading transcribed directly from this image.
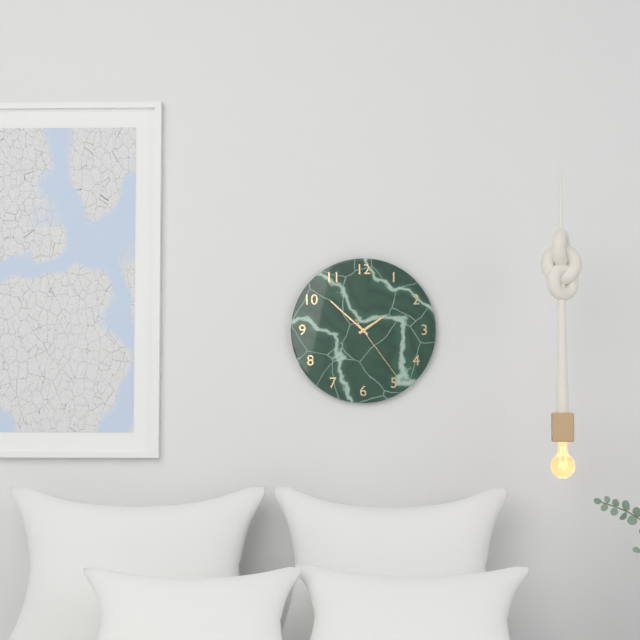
1:52:24
